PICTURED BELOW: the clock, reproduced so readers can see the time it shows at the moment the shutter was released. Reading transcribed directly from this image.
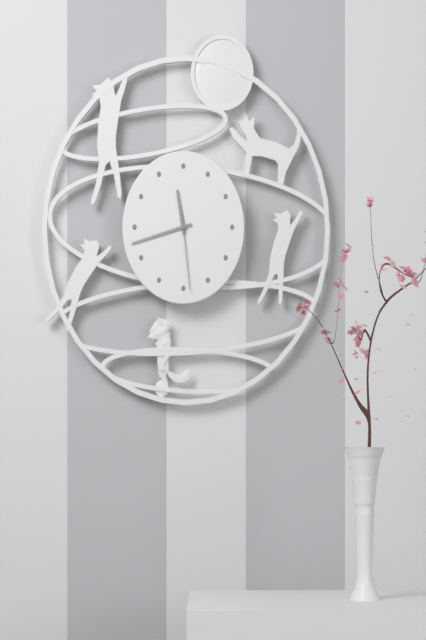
11:42:29
